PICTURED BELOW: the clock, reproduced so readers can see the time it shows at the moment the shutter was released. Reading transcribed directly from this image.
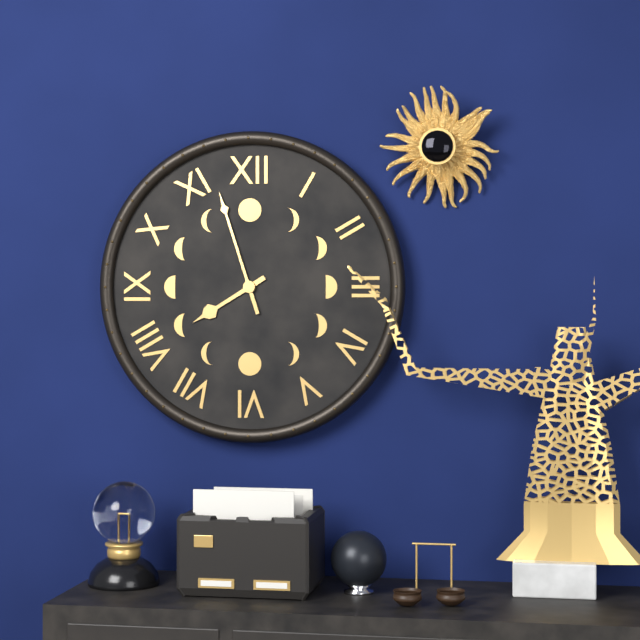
7:57
